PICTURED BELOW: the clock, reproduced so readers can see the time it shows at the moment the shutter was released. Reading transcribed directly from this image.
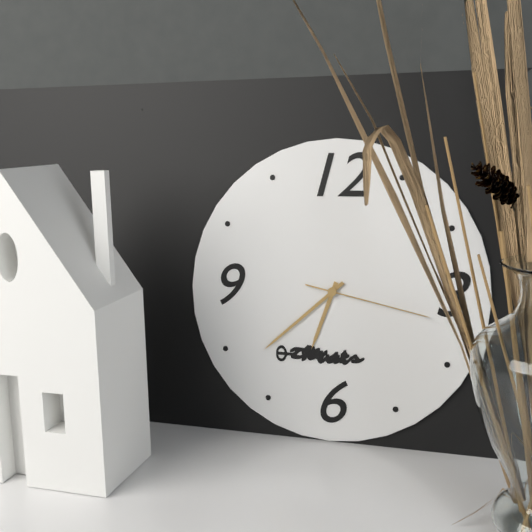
6:38:17
